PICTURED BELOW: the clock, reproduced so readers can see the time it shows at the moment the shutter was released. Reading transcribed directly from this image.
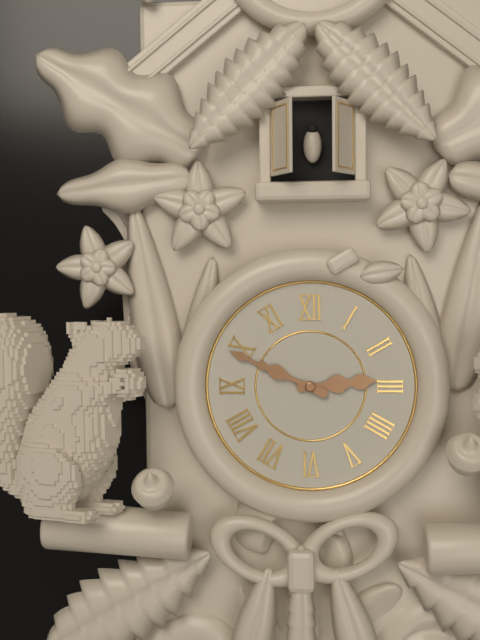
2:49
